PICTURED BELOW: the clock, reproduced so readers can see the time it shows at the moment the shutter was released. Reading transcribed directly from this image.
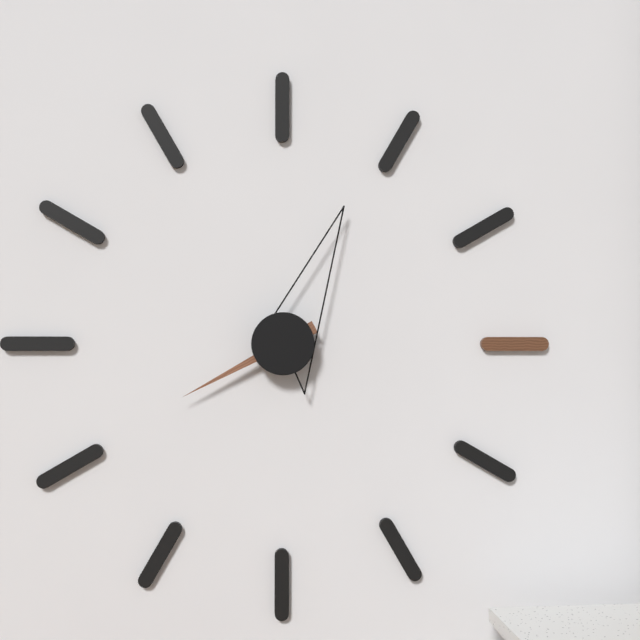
8:04
